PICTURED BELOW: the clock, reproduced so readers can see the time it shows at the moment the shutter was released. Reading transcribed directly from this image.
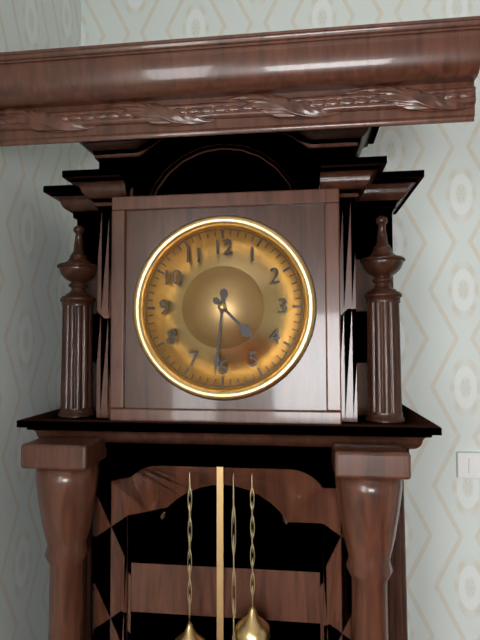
4:31
